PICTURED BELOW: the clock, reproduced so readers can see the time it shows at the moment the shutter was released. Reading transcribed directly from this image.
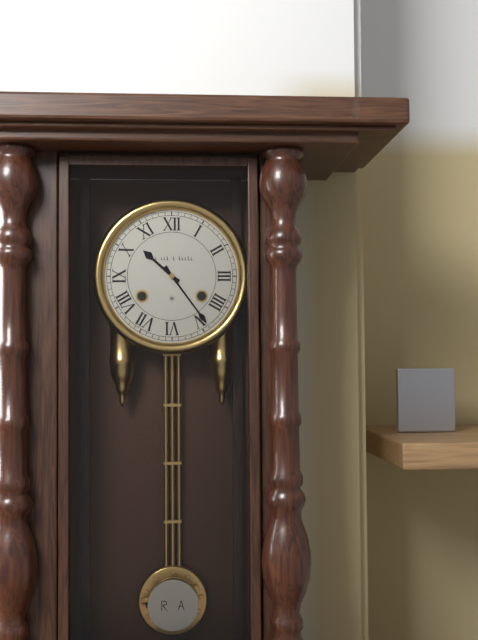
10:24
